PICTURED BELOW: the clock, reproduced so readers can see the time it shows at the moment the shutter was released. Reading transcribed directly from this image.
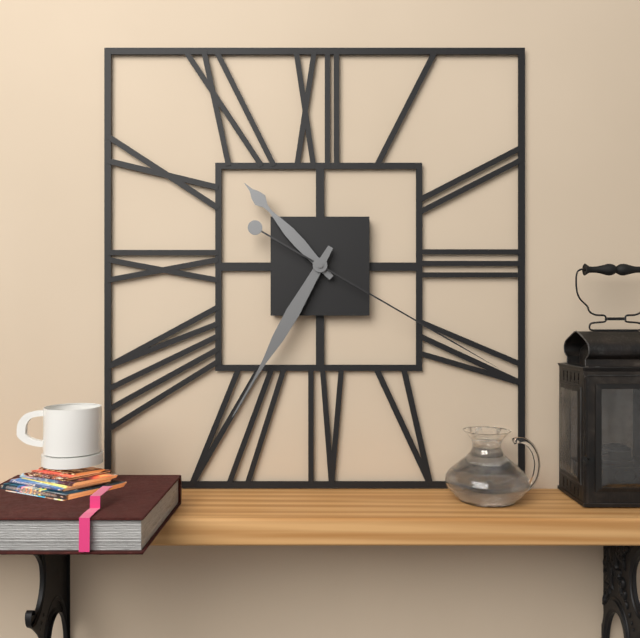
10:35:20
